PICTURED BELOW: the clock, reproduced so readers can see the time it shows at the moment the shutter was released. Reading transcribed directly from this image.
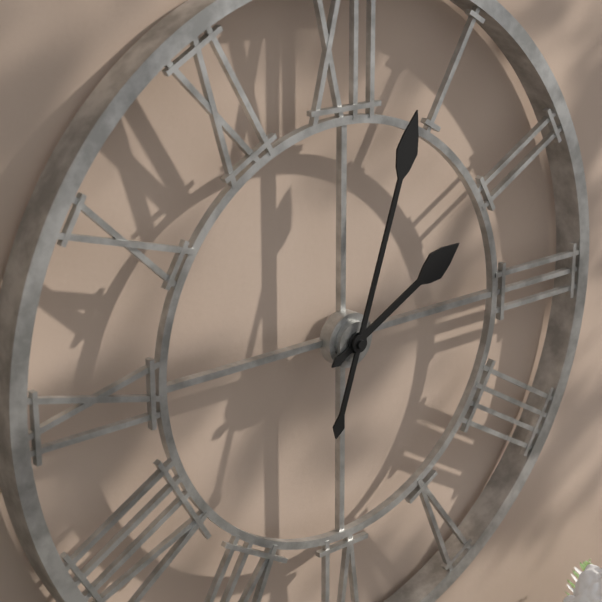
2:03
